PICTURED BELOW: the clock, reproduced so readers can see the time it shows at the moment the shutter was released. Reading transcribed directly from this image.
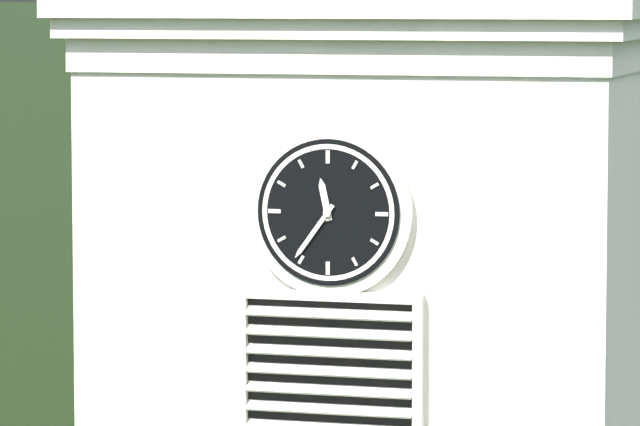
11:36
